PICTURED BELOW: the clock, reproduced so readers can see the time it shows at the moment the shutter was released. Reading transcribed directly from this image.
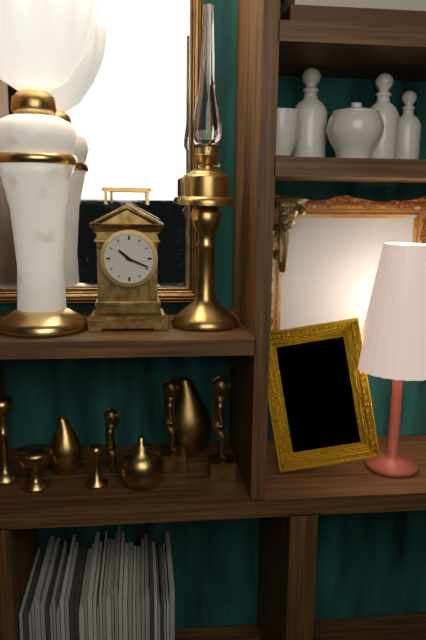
10:19
